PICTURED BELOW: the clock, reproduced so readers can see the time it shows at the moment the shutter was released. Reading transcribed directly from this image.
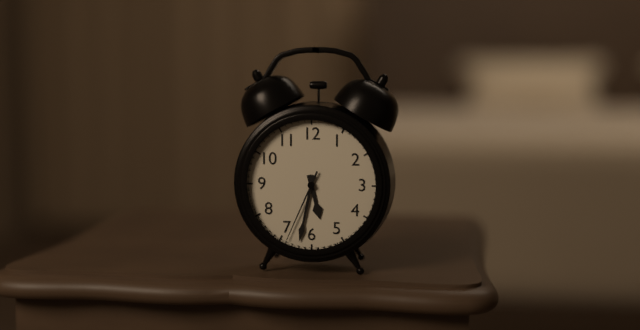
5:32:34
